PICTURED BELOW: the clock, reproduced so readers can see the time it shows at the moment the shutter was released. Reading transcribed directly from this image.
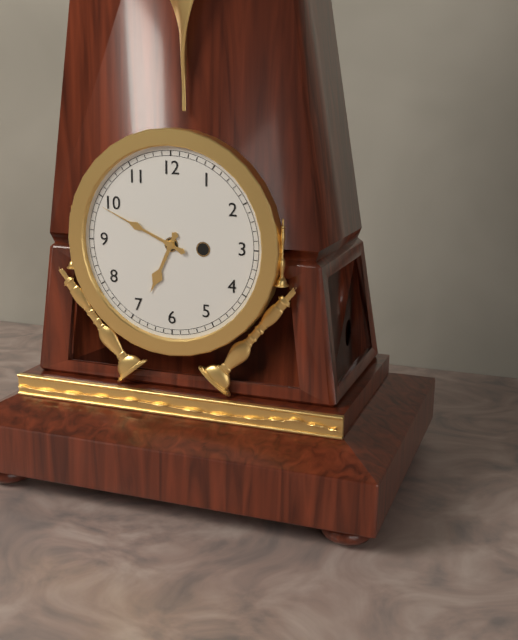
6:49
